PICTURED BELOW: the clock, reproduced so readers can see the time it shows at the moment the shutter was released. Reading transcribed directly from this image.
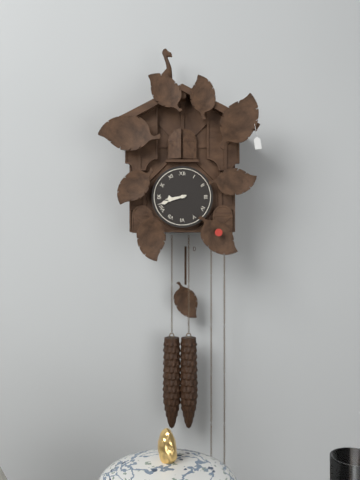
8:42
